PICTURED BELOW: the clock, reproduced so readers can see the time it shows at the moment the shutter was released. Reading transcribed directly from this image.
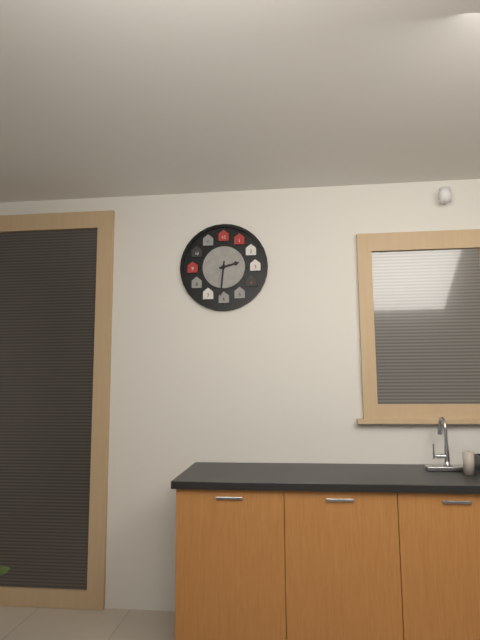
2:31
